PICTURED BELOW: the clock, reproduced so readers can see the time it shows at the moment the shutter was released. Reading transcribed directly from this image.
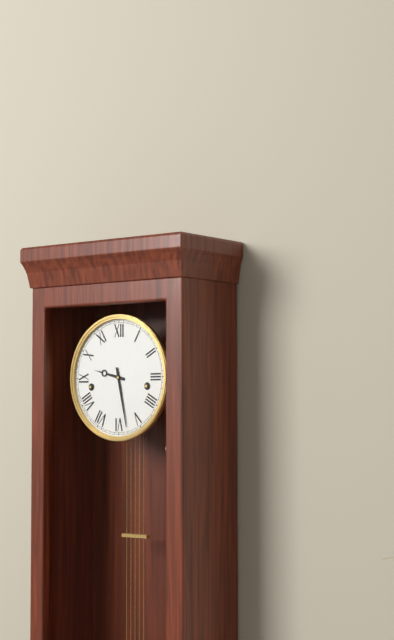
9:28
